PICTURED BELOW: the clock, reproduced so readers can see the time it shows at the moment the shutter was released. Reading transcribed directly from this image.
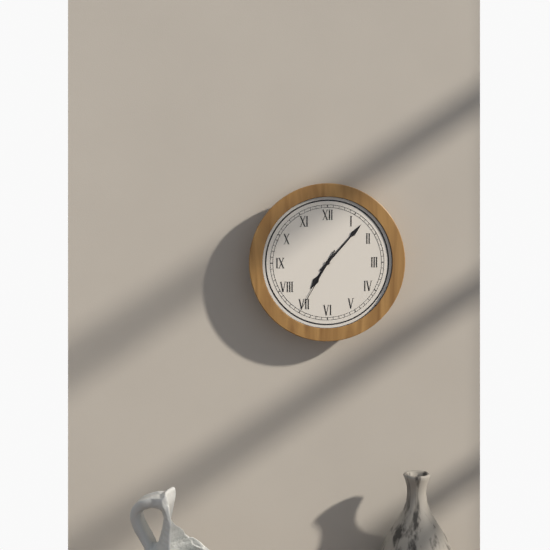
7:07:35
